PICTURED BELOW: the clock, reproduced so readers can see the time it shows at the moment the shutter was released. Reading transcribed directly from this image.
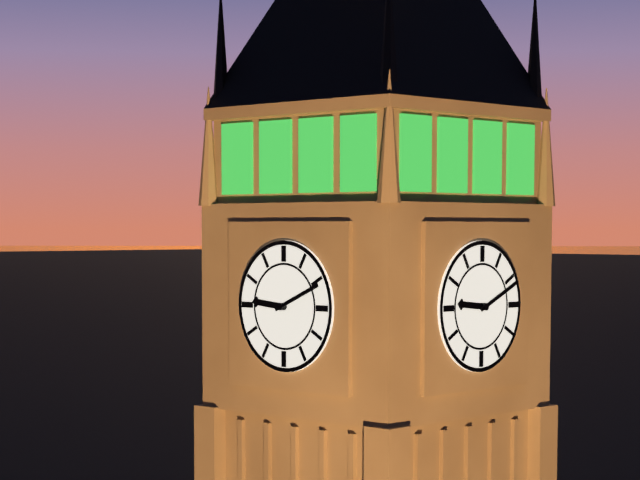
9:11
